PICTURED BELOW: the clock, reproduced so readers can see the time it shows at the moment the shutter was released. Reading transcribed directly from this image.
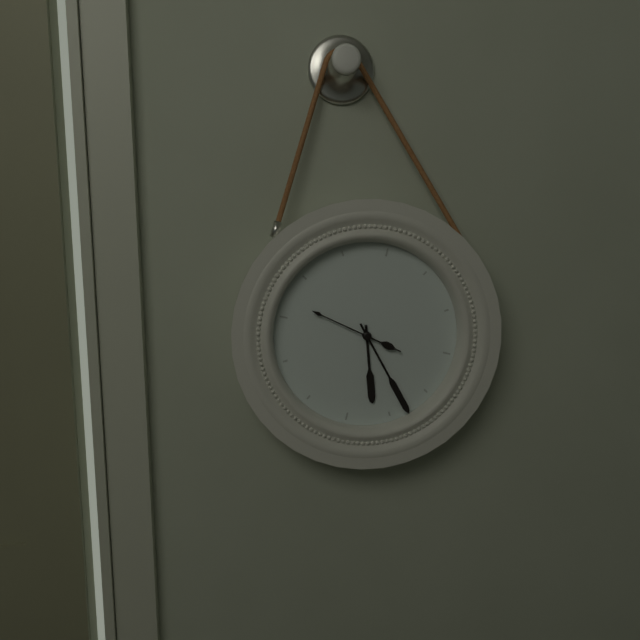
5:23:47
